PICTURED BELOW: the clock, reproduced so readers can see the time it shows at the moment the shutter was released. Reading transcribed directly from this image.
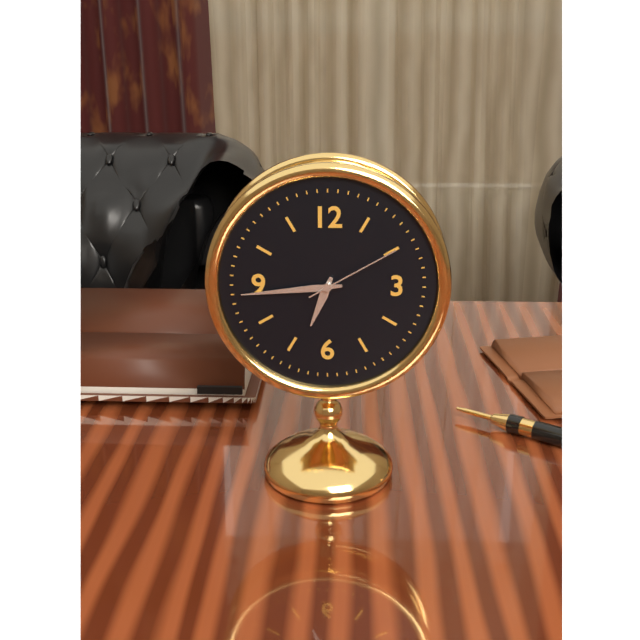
6:44:10
